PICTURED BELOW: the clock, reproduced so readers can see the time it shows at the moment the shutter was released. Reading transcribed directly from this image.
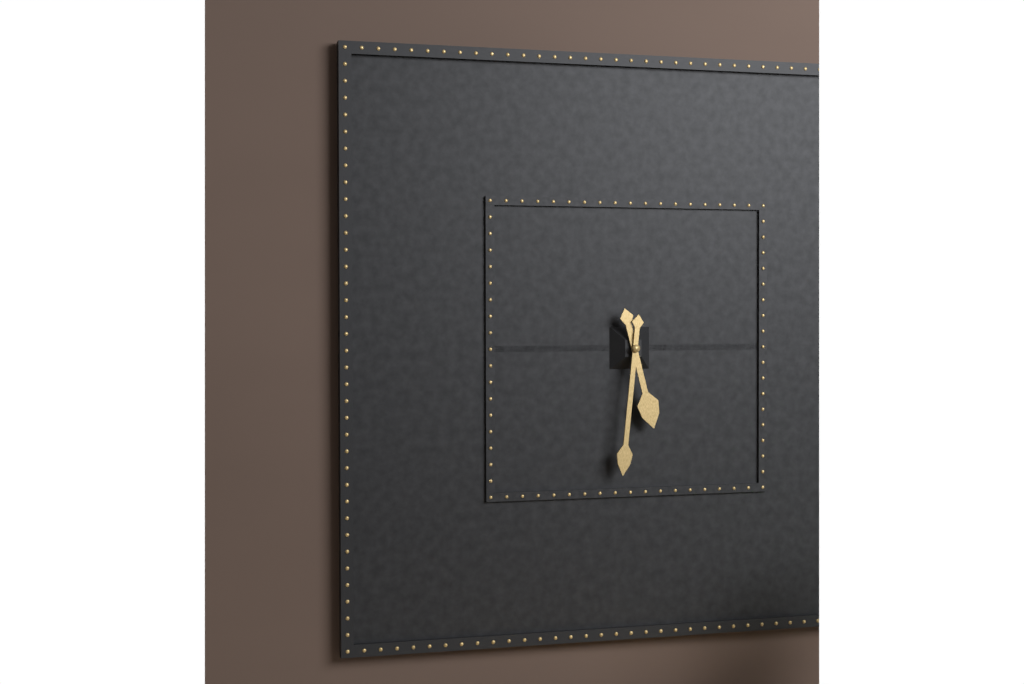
5:31
